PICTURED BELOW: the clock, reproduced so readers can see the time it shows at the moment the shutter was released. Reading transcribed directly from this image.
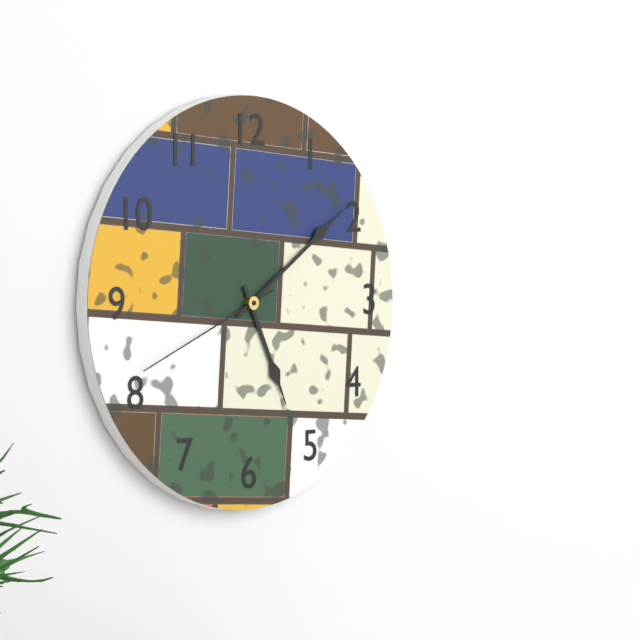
5:09:41
